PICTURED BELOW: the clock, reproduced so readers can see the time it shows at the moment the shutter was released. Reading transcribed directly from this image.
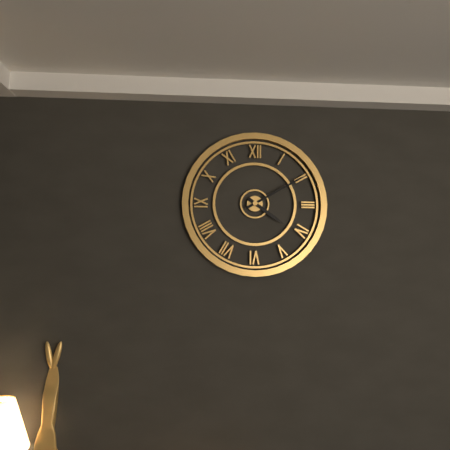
4:10
